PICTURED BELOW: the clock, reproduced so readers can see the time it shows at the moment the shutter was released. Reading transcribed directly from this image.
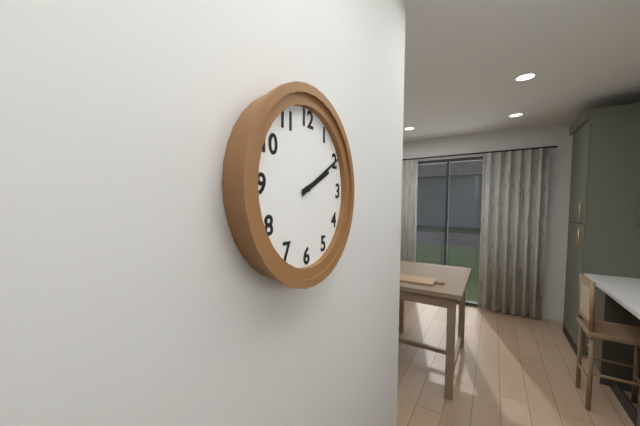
2:10
